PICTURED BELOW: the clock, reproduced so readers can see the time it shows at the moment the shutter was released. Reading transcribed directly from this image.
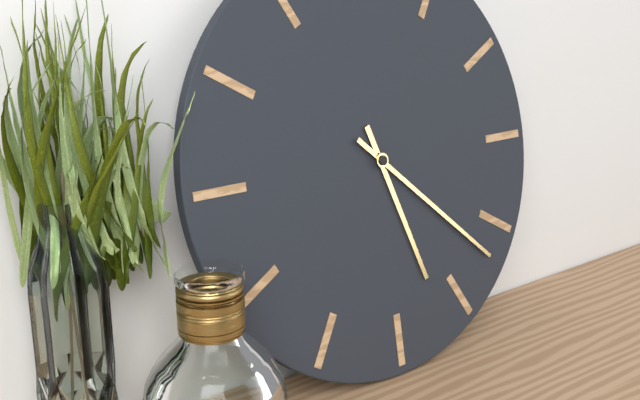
5:22
